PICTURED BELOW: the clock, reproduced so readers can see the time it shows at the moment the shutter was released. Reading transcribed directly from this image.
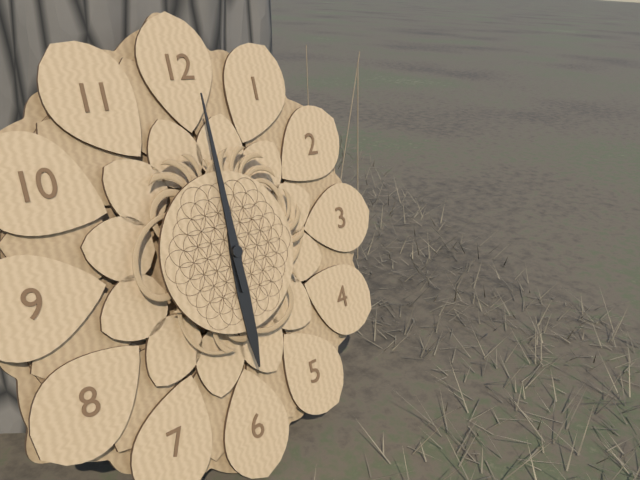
6:00
